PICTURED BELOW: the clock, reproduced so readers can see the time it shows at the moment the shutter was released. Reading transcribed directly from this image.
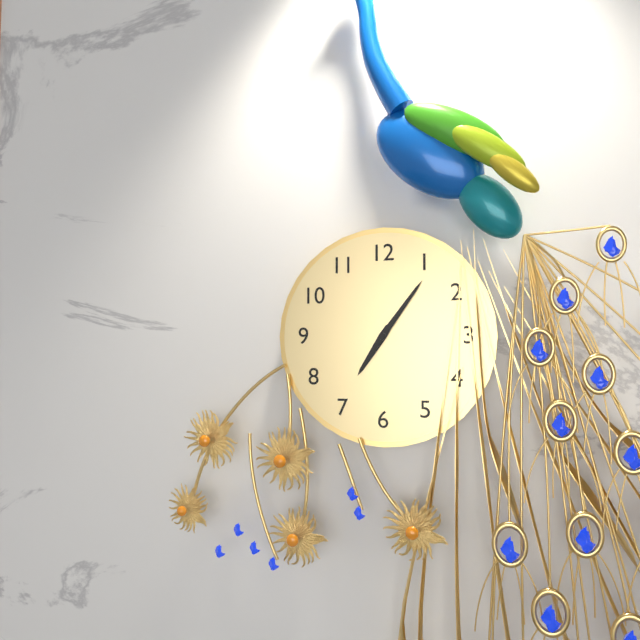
7:06
